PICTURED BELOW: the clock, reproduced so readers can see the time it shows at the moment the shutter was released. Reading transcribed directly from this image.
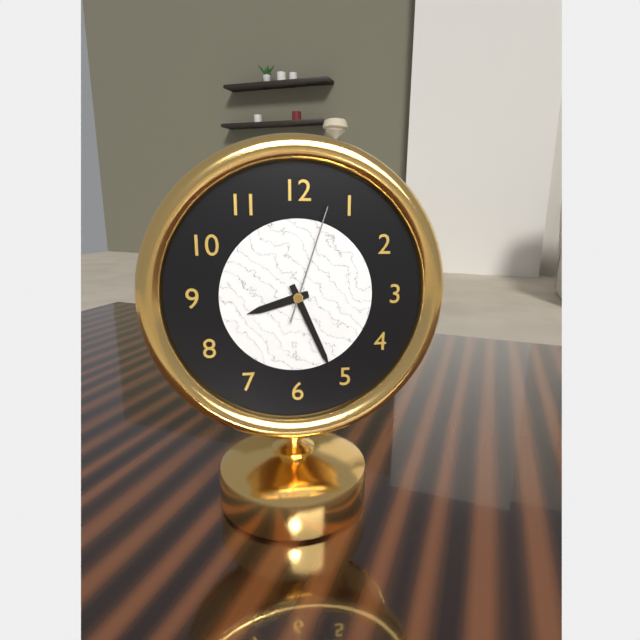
8:26:03
